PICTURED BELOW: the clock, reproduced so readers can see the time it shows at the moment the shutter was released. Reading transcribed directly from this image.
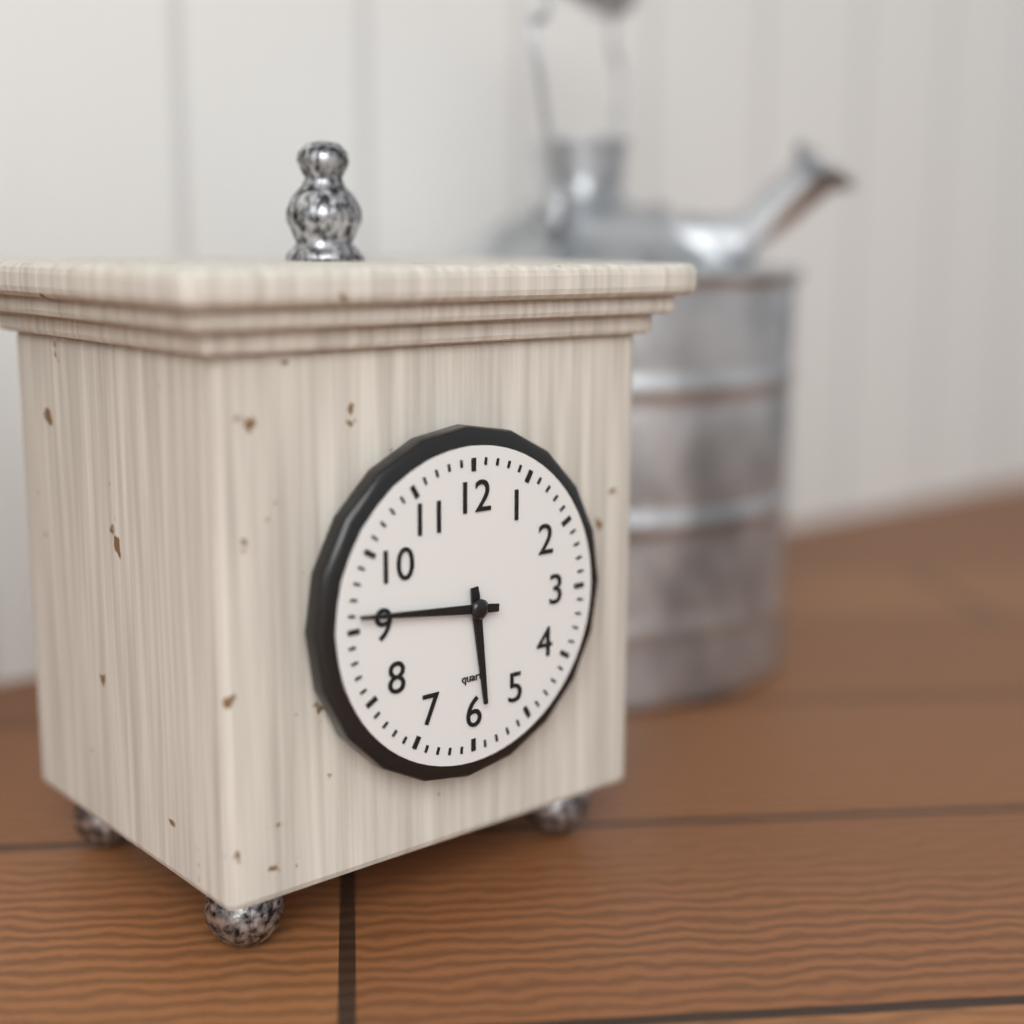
5:46
